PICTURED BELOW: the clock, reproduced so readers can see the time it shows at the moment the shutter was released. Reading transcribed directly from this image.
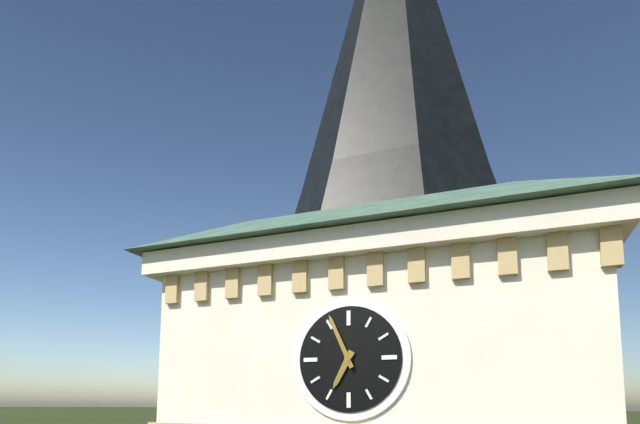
6:56
